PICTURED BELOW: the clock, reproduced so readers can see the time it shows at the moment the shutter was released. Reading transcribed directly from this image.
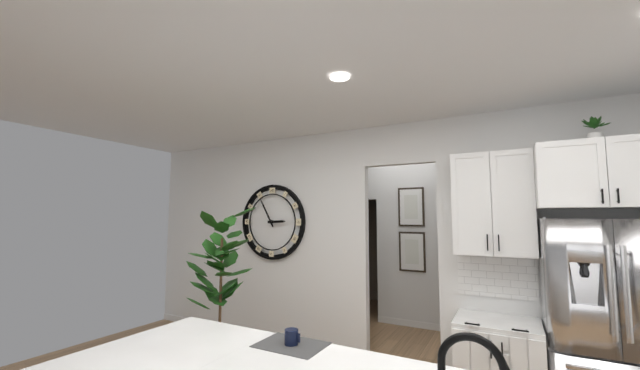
2:55
